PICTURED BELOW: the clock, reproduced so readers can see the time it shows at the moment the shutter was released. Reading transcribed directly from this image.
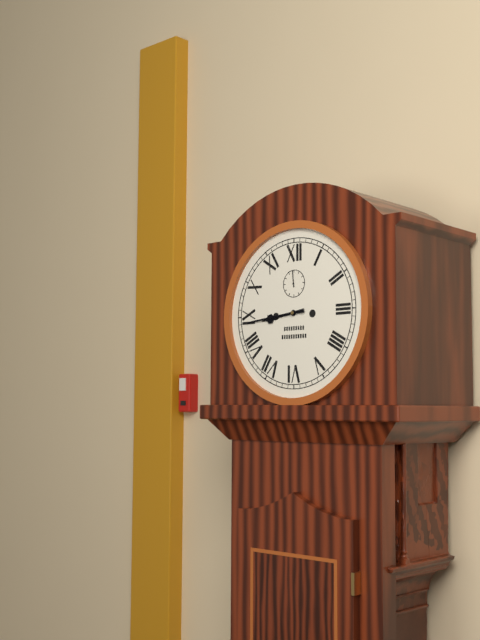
8:44
